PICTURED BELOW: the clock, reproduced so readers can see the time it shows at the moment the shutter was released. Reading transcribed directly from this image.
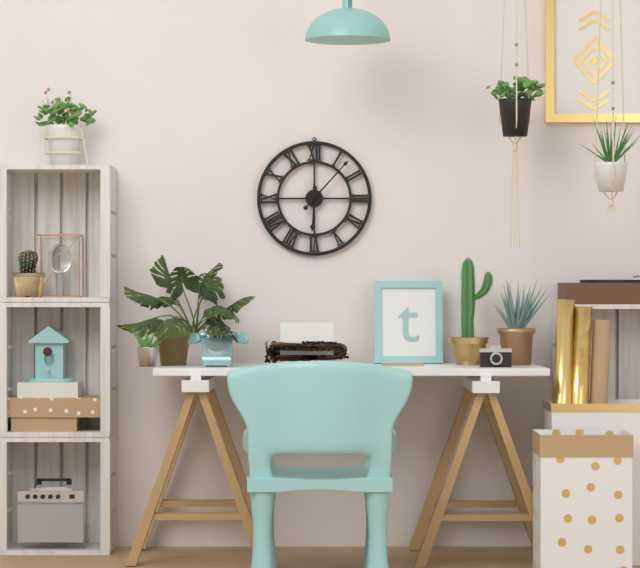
6:07
